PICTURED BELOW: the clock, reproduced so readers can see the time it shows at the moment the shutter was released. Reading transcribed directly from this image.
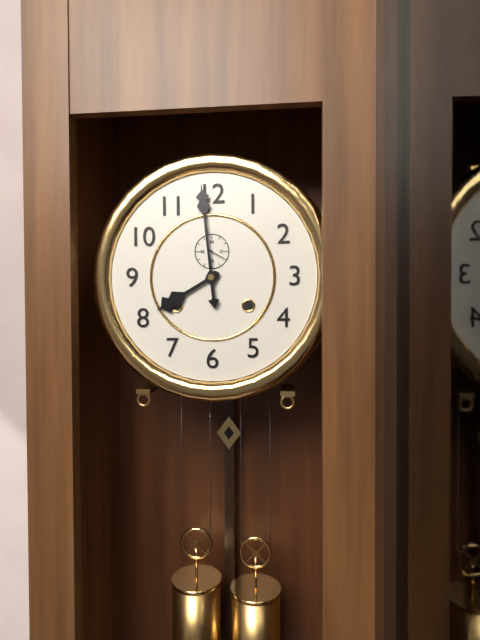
7:59
